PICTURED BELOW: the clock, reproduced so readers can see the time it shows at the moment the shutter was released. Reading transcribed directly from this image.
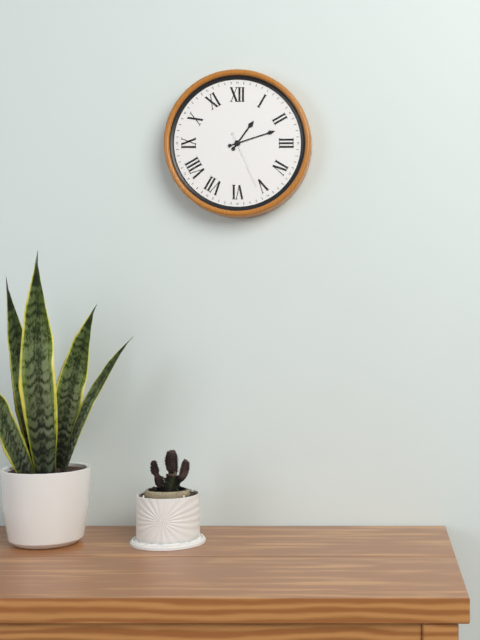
1:12:26
